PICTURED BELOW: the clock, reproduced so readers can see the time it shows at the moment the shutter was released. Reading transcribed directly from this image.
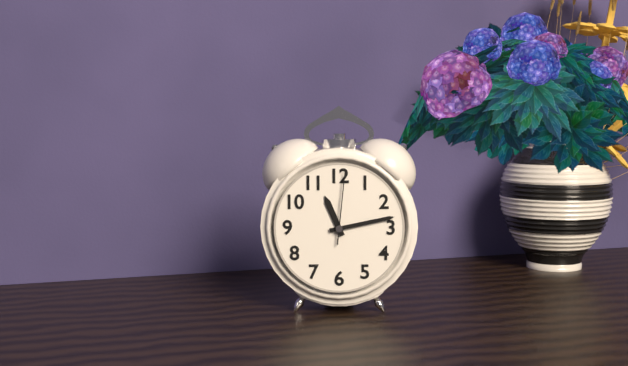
11:13:01
